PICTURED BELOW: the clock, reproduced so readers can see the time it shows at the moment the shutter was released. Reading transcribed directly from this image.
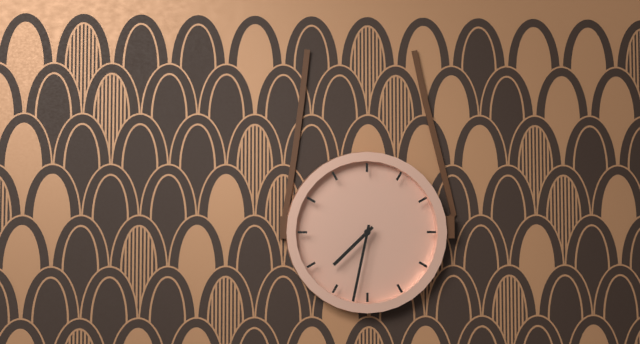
7:32
